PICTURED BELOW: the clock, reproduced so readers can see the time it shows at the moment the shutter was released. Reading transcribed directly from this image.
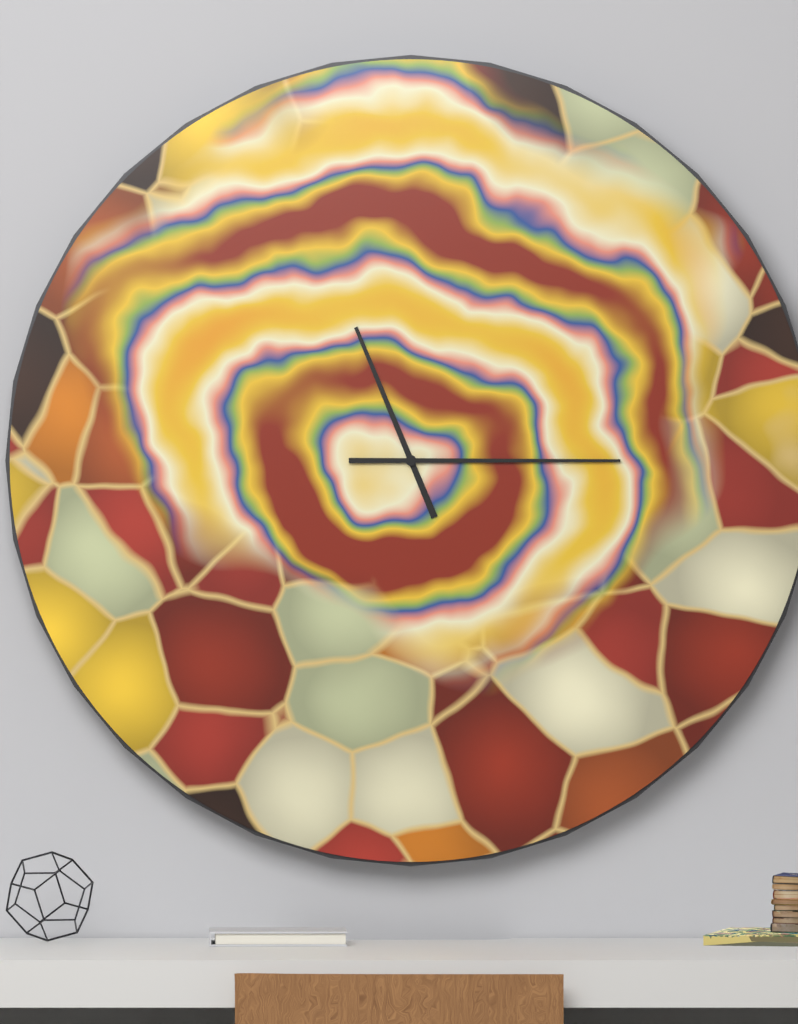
11:15
